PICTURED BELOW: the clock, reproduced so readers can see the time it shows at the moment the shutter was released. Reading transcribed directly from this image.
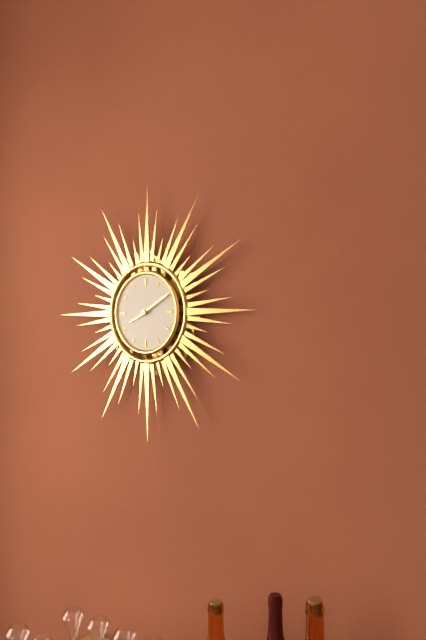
8:10
